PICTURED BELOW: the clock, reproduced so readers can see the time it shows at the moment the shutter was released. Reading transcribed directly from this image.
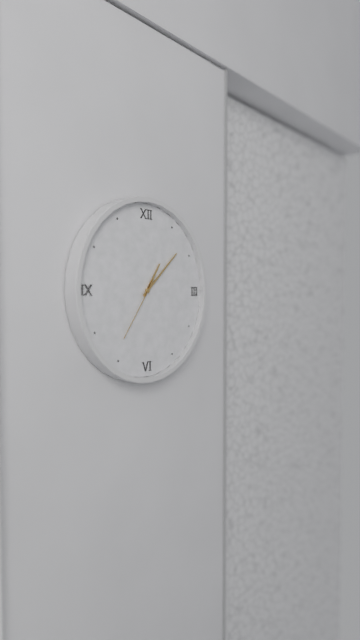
1:08:36
